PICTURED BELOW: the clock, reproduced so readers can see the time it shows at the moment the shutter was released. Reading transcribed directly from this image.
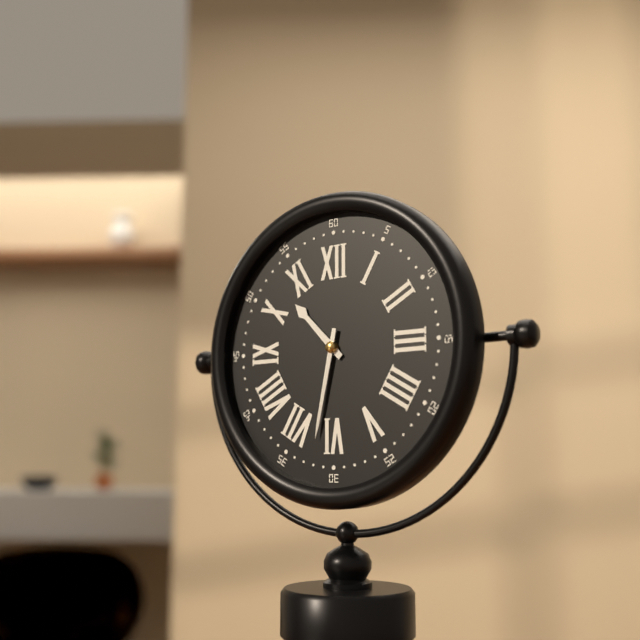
10:32
